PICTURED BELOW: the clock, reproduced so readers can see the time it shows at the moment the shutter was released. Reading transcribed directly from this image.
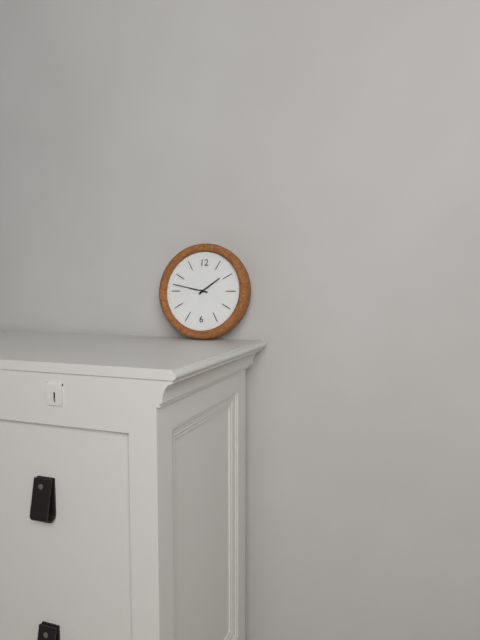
1:47
